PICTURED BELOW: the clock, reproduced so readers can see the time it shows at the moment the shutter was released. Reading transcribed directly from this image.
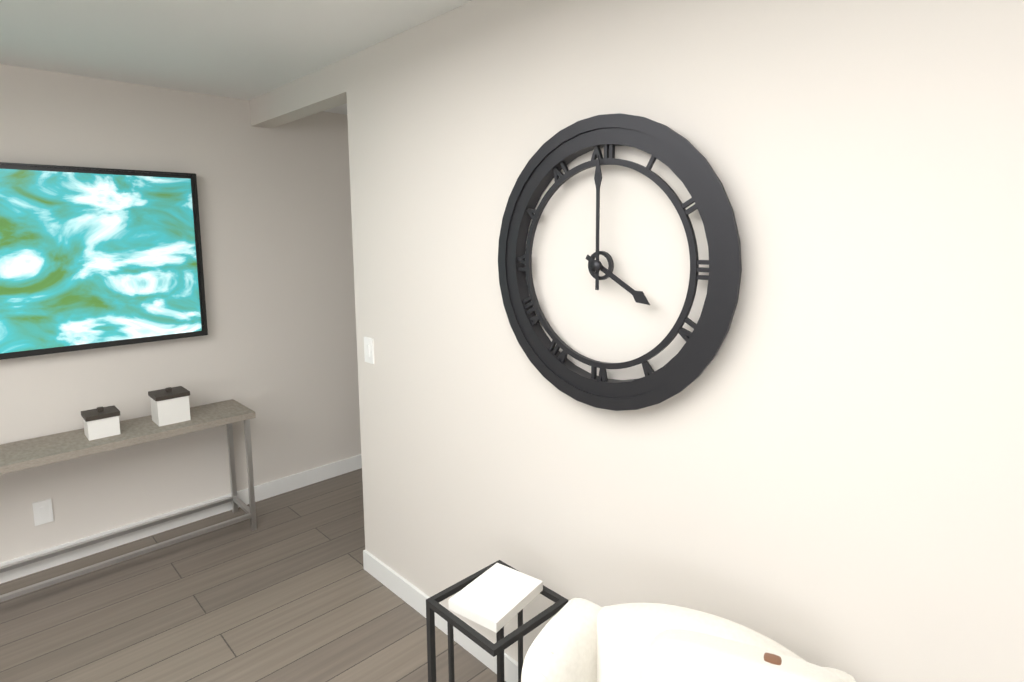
4:00
